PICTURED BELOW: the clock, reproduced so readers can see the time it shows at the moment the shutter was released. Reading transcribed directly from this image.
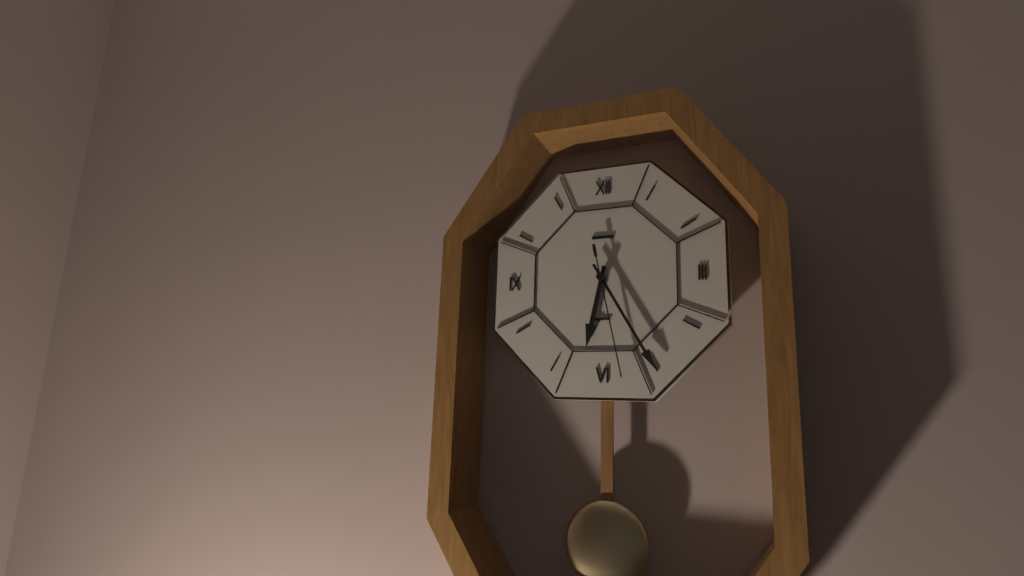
6:25:28
